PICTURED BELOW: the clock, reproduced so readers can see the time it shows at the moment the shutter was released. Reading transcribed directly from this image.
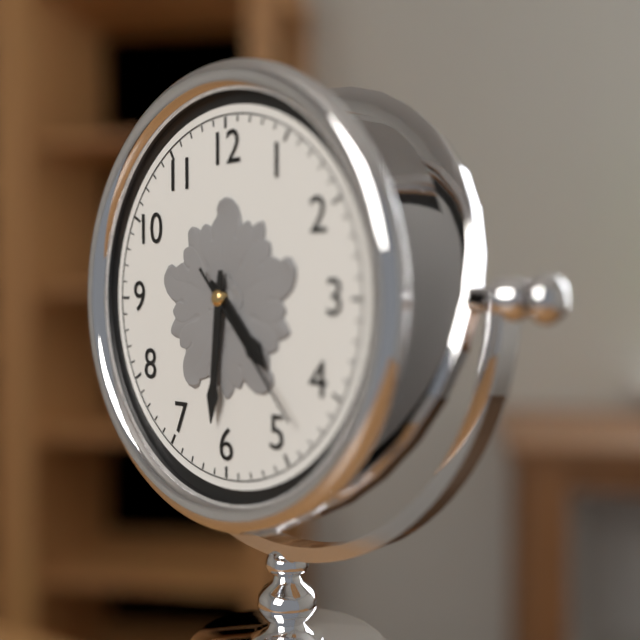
4:31:23
